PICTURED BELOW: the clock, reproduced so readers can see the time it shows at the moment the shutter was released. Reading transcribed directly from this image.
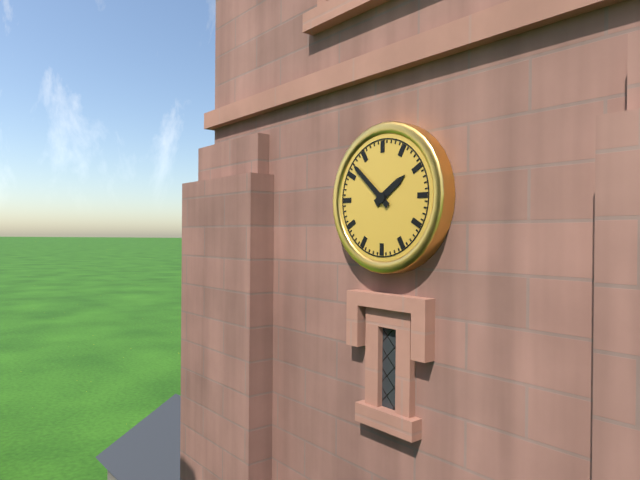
1:52
